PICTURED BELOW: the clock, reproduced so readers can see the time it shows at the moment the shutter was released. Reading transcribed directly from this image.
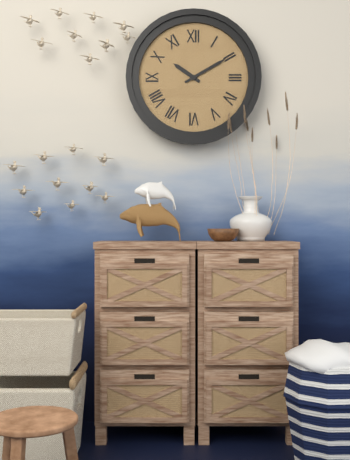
10:10
